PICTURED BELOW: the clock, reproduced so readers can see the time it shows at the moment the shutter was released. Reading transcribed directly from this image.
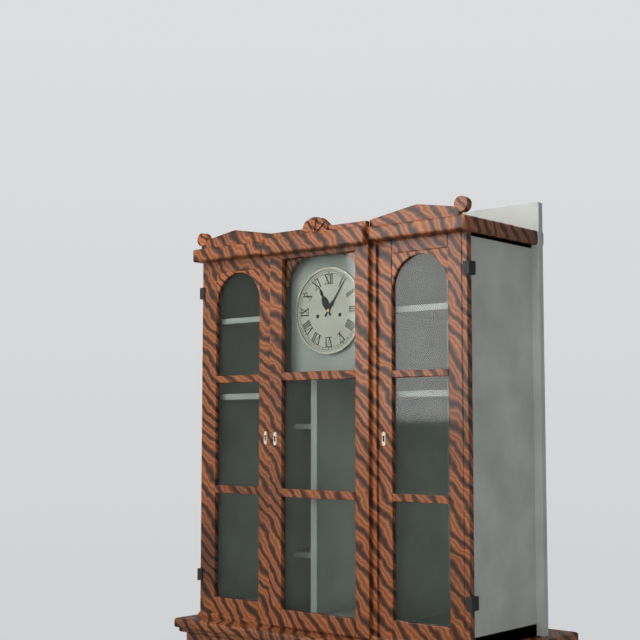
11:06
